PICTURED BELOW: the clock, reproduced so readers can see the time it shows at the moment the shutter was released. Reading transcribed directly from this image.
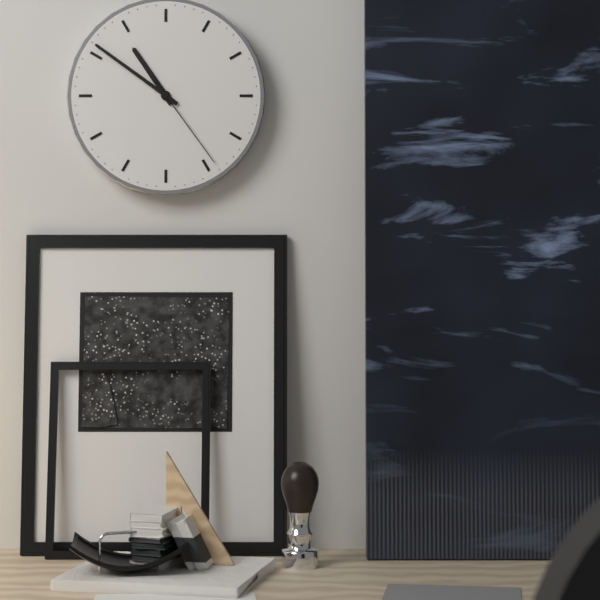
10:51:24
